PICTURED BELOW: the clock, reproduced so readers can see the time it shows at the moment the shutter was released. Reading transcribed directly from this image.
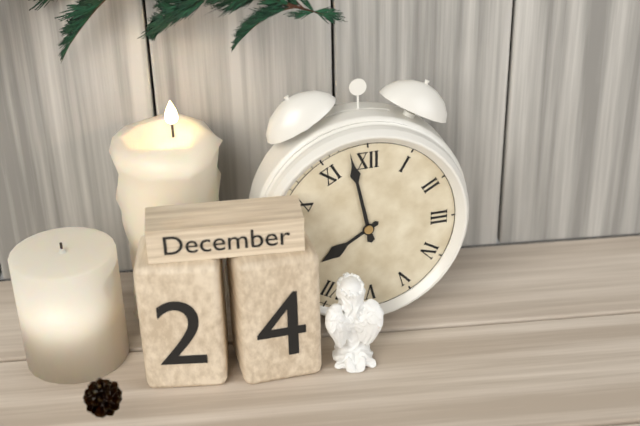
7:58
